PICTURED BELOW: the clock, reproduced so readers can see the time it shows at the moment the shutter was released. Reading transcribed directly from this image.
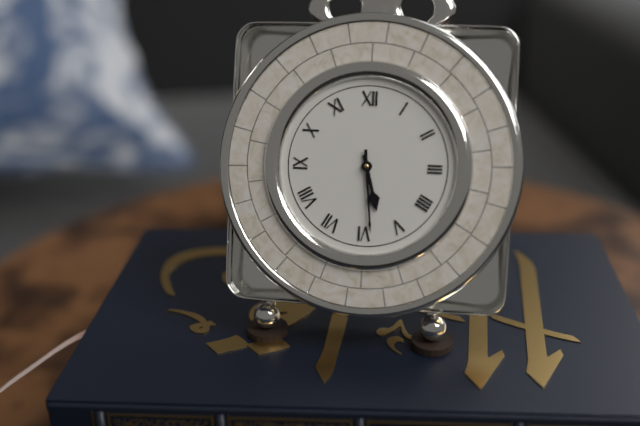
5:29
